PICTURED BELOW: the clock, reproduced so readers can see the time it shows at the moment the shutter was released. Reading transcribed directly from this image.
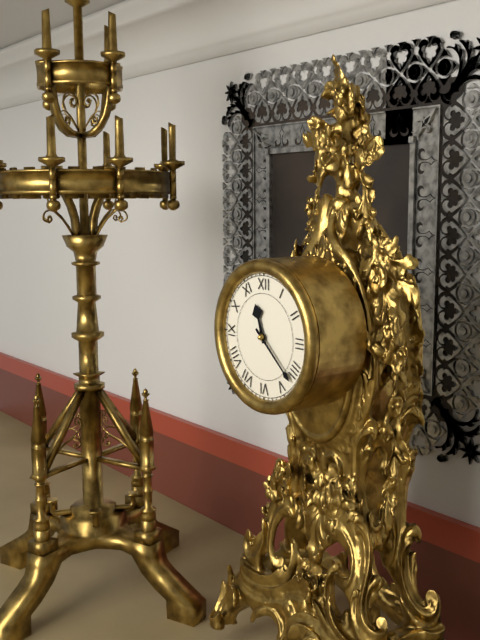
11:22
